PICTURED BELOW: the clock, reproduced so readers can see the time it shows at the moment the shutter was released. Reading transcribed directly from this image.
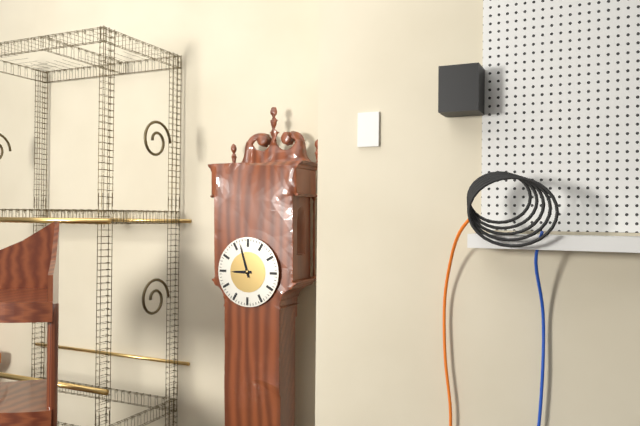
8:57
